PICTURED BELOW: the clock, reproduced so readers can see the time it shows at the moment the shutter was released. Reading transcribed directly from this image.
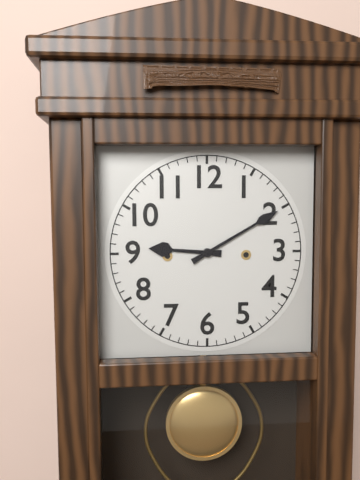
9:10
